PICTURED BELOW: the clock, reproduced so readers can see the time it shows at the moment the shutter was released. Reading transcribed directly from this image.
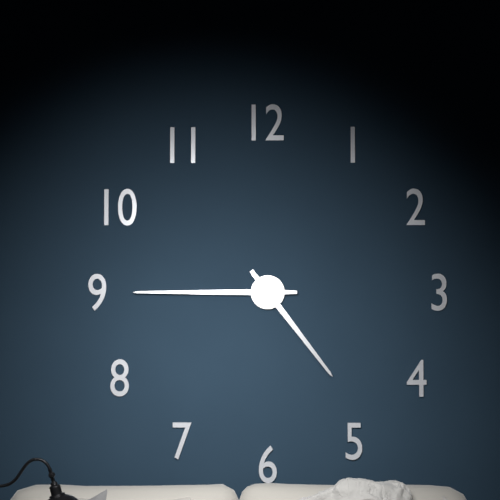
4:45
